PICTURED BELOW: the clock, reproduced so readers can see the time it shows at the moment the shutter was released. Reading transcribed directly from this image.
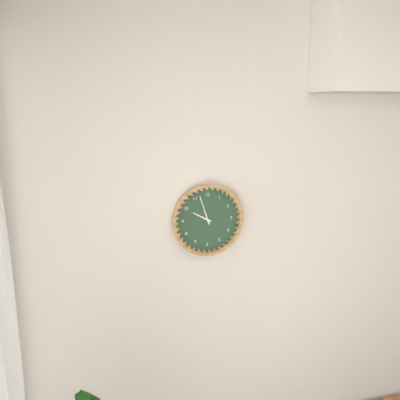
9:57
